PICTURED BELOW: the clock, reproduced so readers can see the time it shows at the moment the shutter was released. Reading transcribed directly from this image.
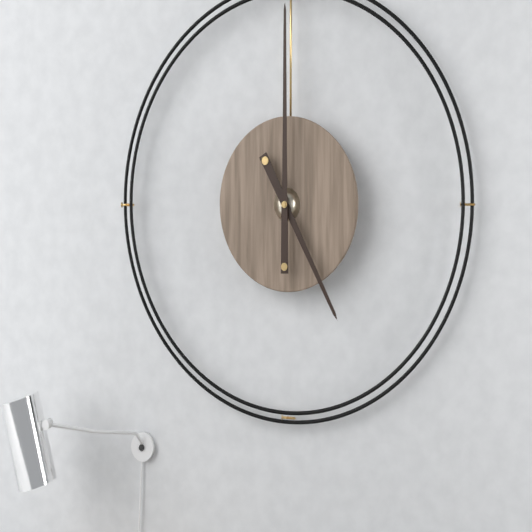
5:00
